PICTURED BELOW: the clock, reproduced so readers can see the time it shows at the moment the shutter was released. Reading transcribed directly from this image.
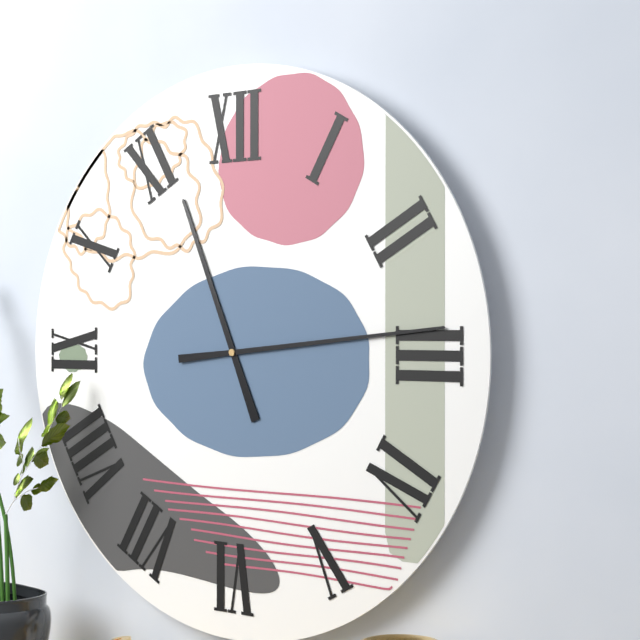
11:14
